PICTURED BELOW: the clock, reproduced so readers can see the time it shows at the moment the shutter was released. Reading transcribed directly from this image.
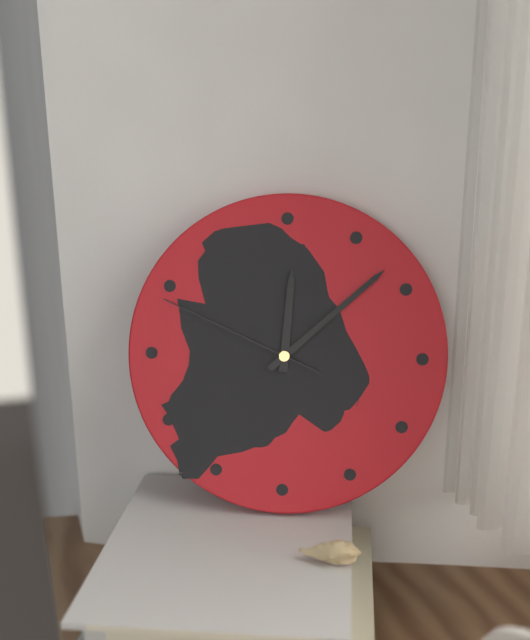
12:08:49
